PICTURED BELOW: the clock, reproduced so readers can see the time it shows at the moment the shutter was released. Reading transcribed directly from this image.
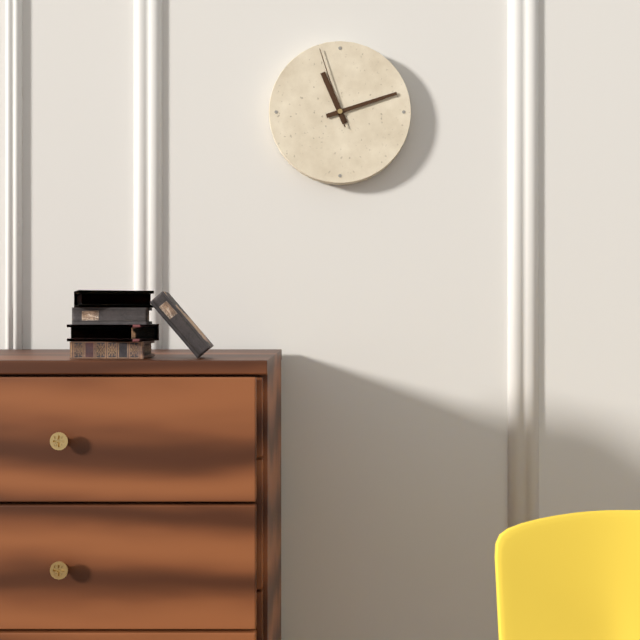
11:12:57
